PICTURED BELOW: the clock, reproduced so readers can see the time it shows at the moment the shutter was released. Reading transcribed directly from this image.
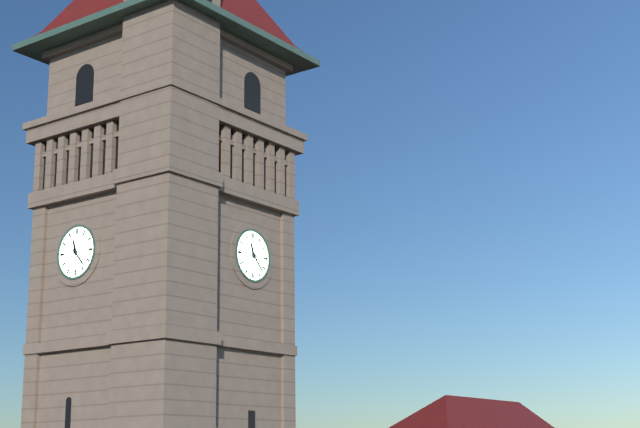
11:23
